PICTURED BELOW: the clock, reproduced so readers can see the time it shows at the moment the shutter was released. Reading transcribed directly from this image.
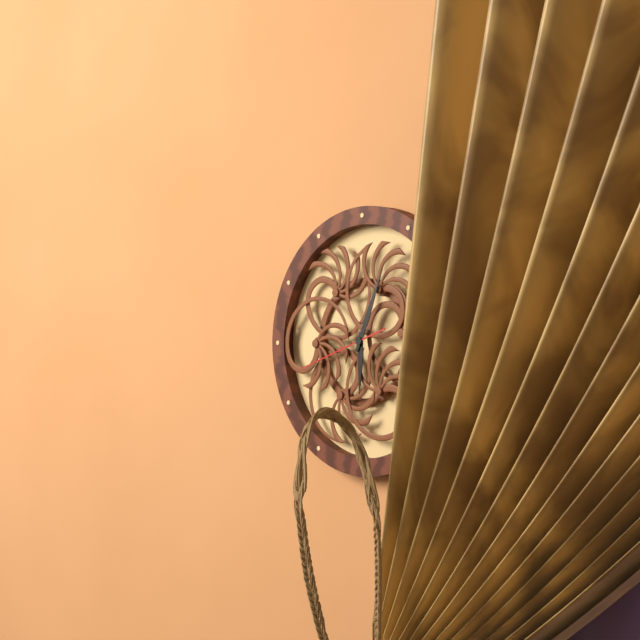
6:04:42
